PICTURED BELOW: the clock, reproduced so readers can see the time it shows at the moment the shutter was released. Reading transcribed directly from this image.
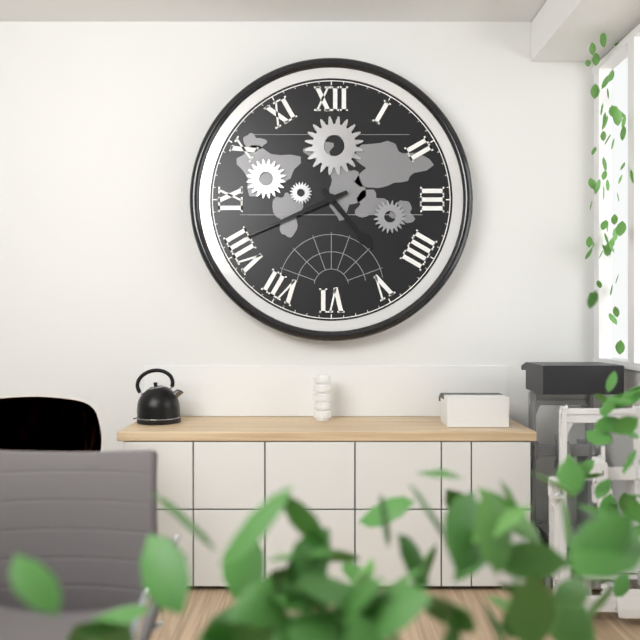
4:41
